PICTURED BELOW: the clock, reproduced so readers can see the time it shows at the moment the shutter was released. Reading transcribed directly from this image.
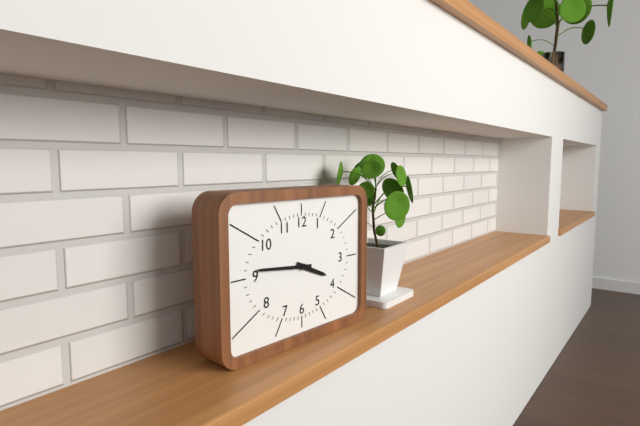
3:46
